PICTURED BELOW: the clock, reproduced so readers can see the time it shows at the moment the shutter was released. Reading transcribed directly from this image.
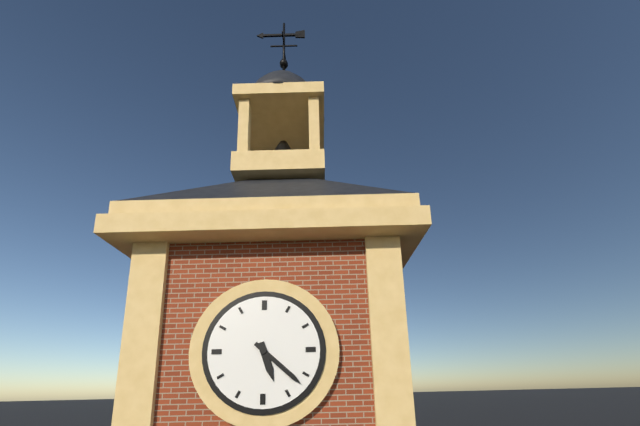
5:22
